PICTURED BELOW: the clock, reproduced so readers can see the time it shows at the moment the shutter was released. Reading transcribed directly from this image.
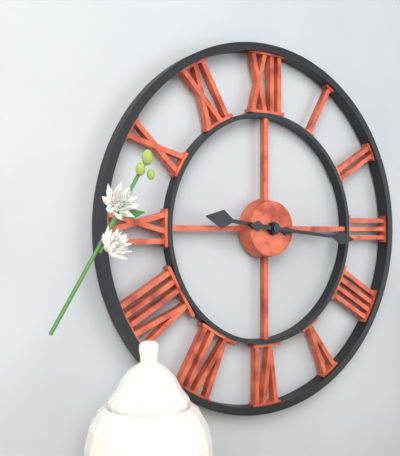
9:16
